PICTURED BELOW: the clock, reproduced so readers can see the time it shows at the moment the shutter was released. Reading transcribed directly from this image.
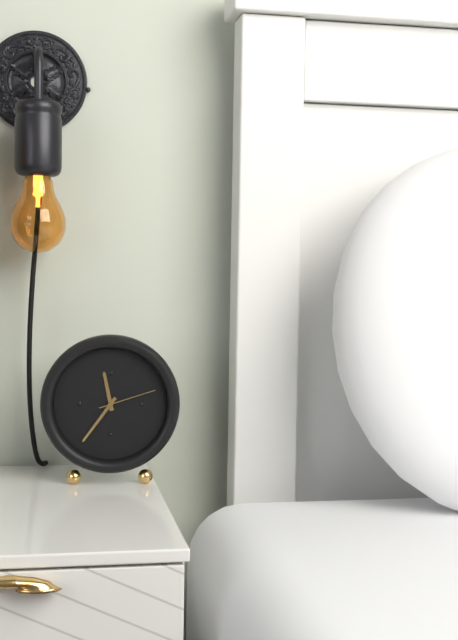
11:36:12
